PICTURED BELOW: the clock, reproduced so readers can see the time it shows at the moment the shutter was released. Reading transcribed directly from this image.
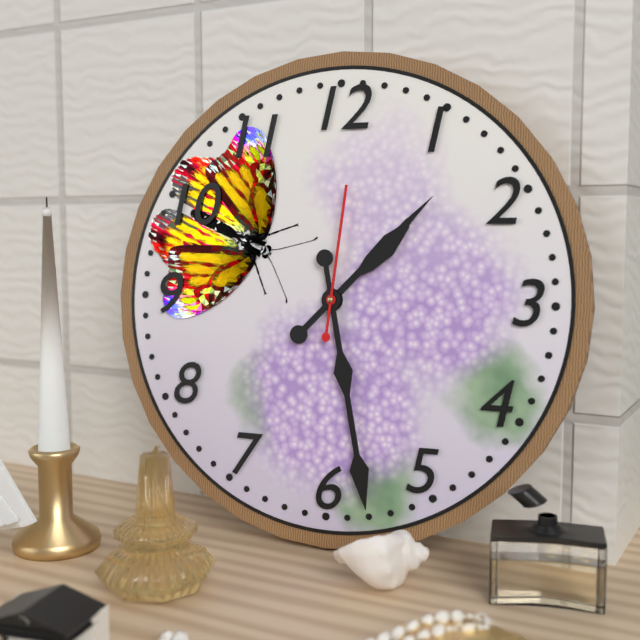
1:28:01
